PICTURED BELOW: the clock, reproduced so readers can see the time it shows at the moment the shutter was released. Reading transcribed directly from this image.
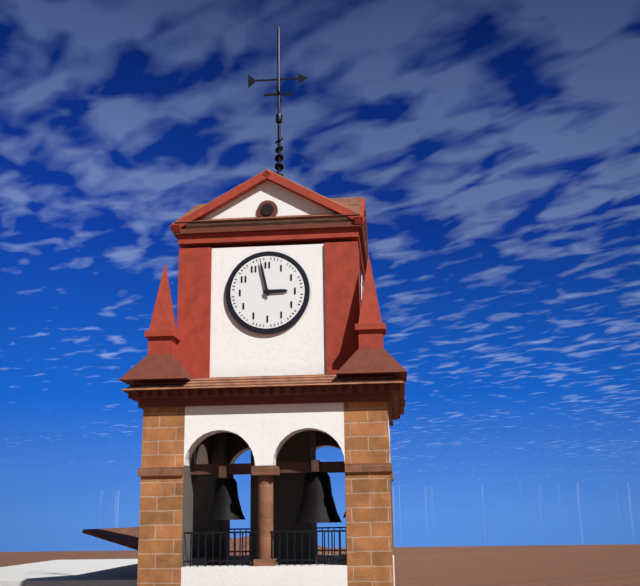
2:58
